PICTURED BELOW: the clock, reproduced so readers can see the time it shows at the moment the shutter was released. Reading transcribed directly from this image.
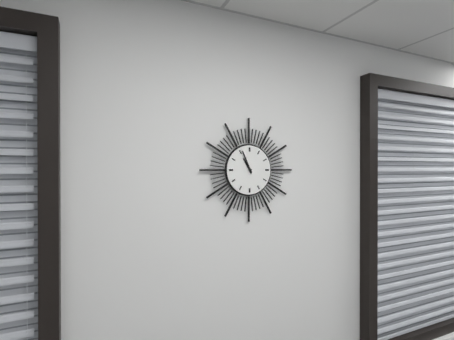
10:56
